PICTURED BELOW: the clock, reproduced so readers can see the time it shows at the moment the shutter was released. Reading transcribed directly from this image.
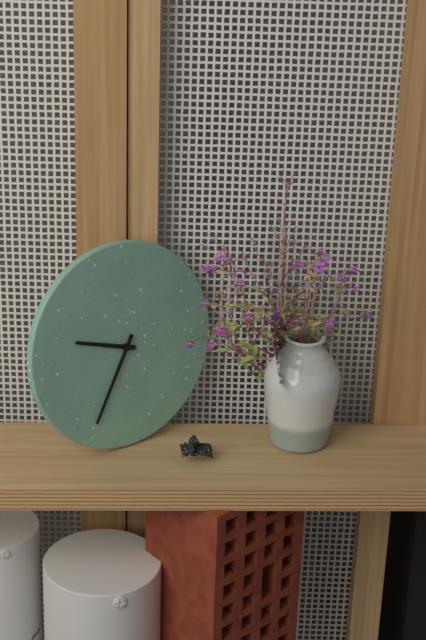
9:35
